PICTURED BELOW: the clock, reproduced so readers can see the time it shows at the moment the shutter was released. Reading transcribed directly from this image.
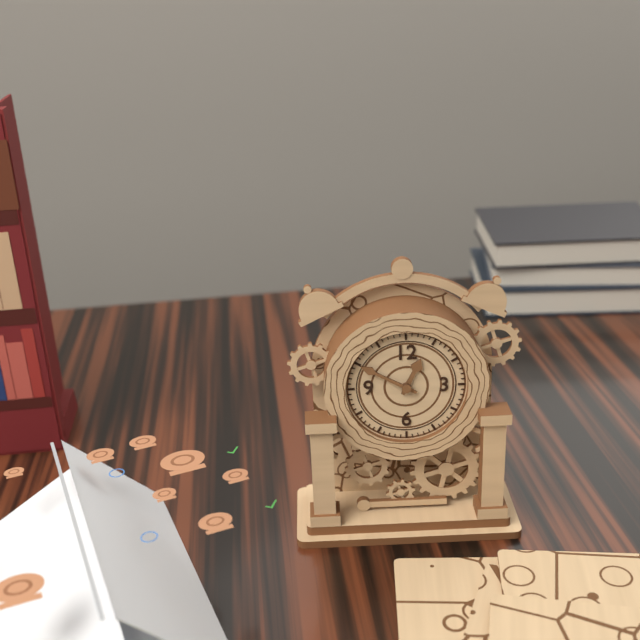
12:50
